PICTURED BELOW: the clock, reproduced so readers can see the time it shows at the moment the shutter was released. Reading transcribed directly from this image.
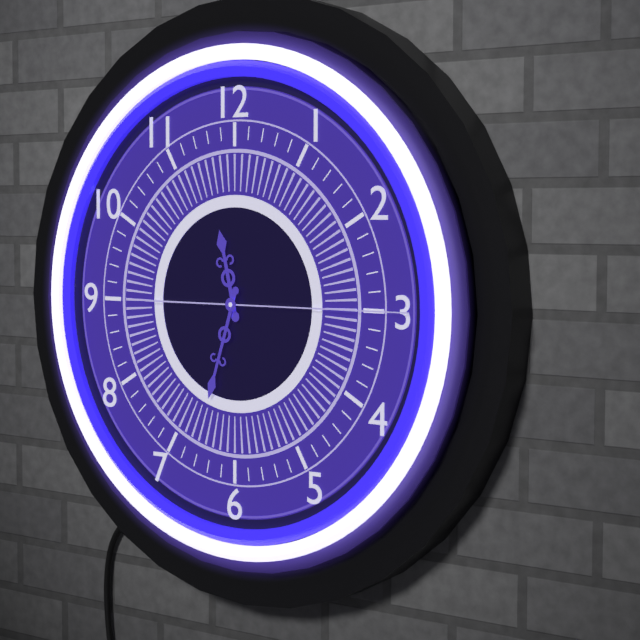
11:33:15
